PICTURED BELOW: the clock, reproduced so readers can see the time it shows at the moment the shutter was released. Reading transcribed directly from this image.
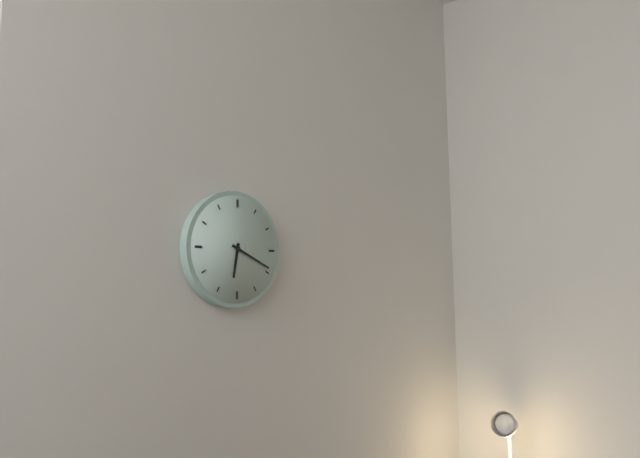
6:19
